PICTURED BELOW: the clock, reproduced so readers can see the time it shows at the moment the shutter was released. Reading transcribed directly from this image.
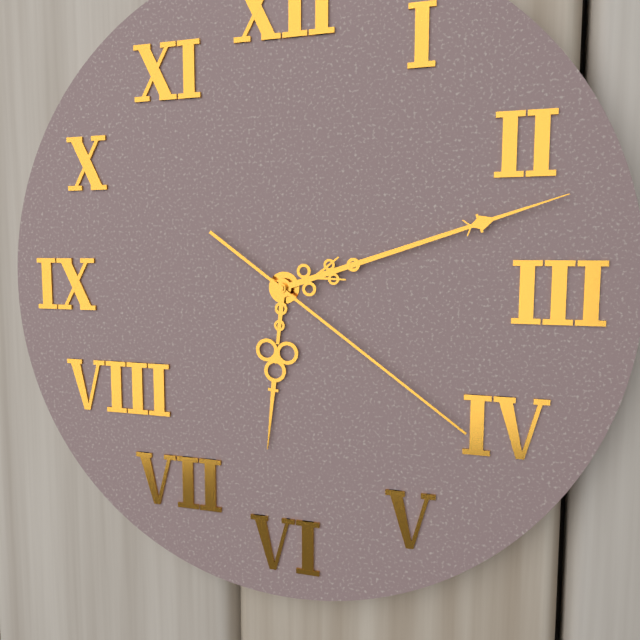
6:12:21
